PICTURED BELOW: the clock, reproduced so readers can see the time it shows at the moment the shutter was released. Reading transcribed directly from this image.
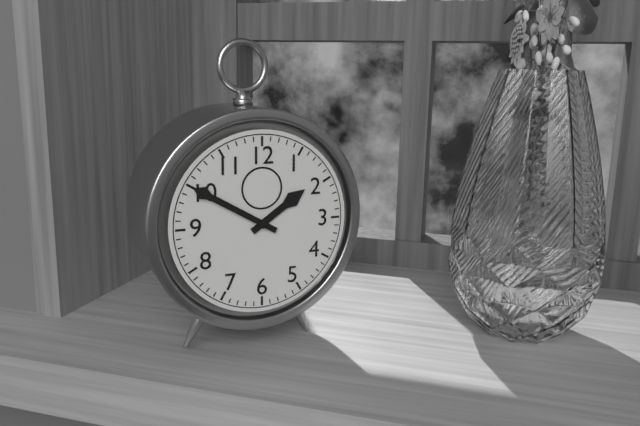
1:50
